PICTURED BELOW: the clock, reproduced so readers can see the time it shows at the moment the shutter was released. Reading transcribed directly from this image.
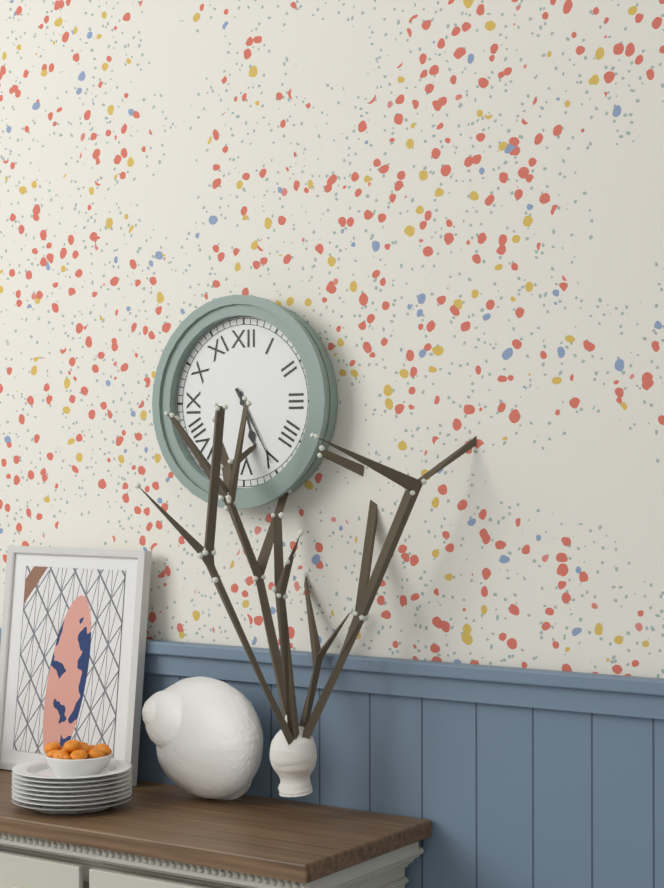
5:25
